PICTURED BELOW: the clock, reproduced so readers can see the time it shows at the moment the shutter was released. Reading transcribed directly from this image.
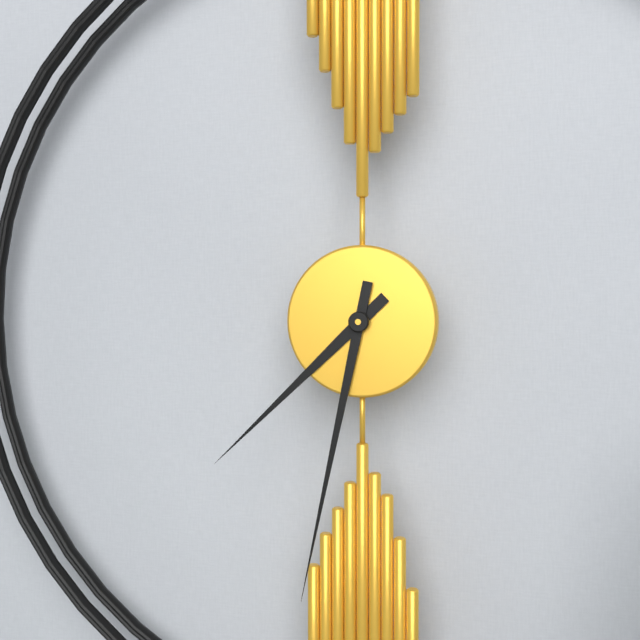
7:32
